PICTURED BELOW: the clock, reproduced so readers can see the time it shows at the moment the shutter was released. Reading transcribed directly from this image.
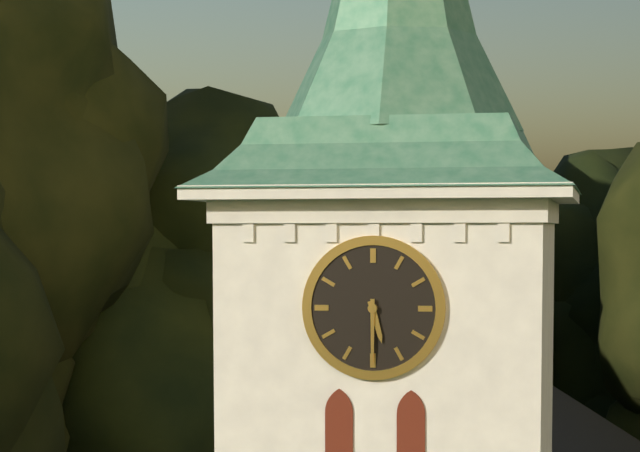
5:30
